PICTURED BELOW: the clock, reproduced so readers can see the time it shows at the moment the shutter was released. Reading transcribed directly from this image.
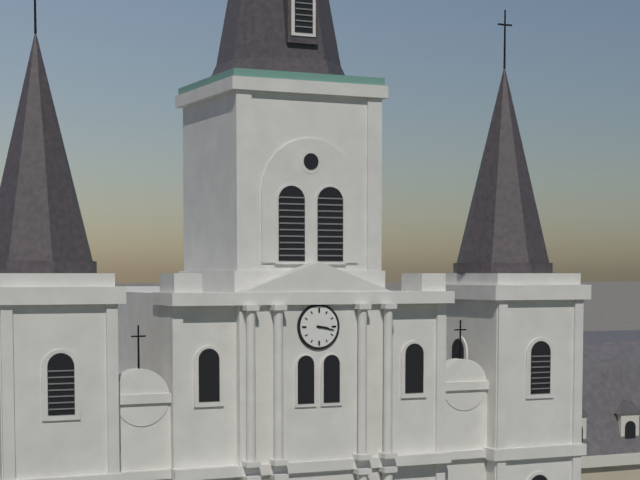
3:17
